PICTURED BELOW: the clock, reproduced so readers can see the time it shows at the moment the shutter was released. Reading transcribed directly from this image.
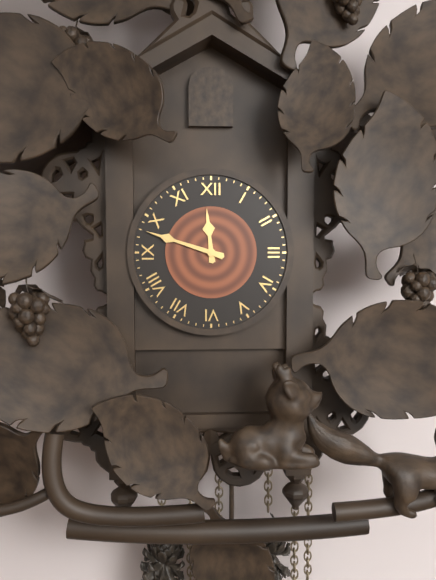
11:48
